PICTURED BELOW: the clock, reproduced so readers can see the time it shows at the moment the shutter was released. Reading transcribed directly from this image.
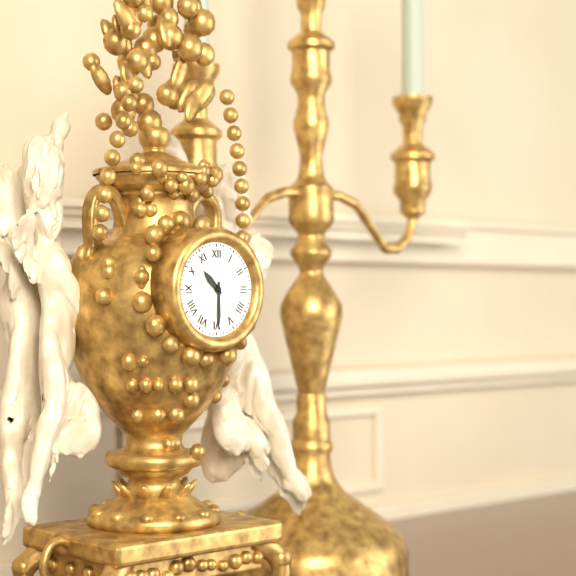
10:30
